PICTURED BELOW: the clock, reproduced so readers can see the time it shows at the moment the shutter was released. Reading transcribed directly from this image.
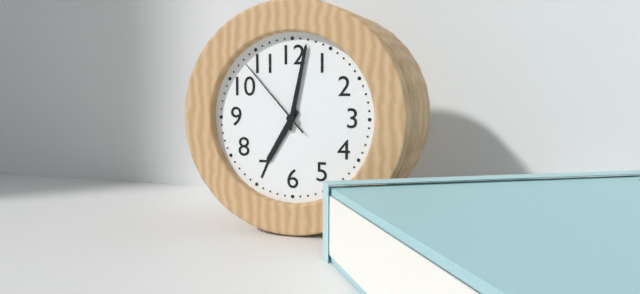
7:02:53
